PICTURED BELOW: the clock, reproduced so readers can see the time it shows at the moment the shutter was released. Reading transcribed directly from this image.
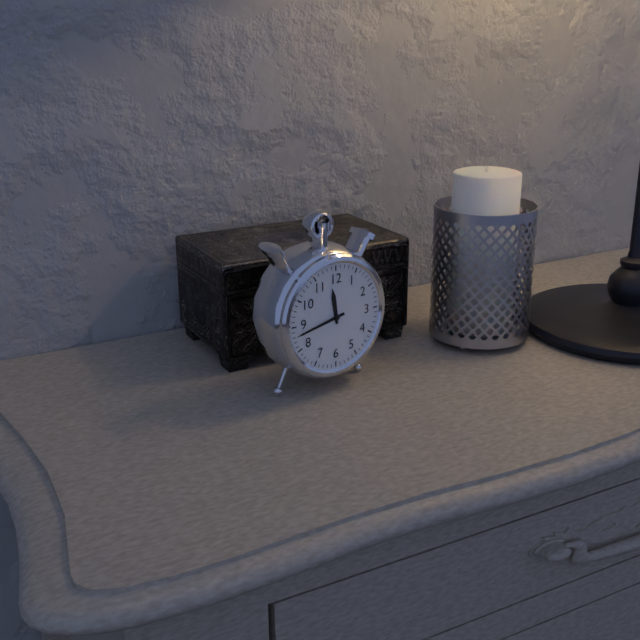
11:43
